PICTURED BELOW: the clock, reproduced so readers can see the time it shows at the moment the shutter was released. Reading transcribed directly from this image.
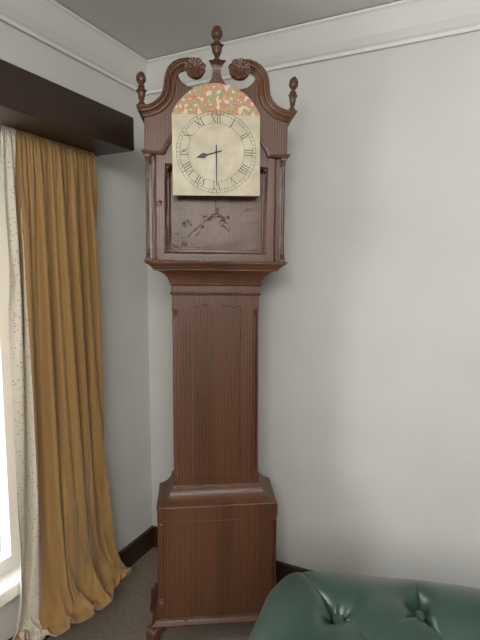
8:30
